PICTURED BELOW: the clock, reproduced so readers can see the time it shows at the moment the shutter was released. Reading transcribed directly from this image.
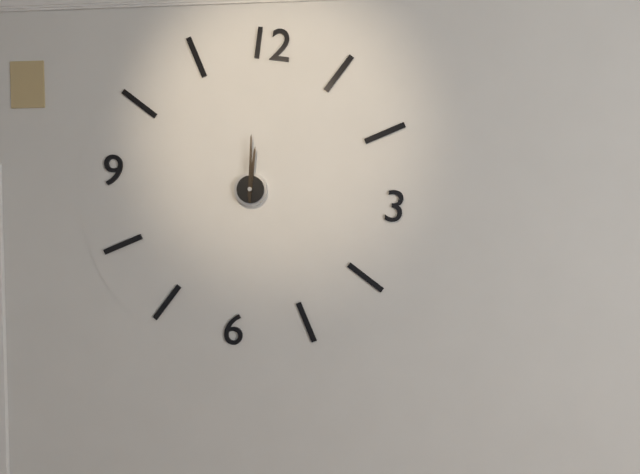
11:59
